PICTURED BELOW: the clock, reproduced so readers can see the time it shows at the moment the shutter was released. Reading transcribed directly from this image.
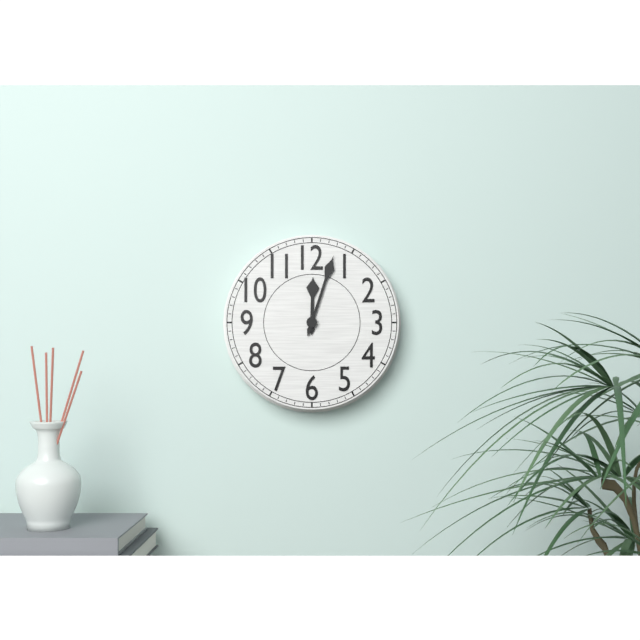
12:03
